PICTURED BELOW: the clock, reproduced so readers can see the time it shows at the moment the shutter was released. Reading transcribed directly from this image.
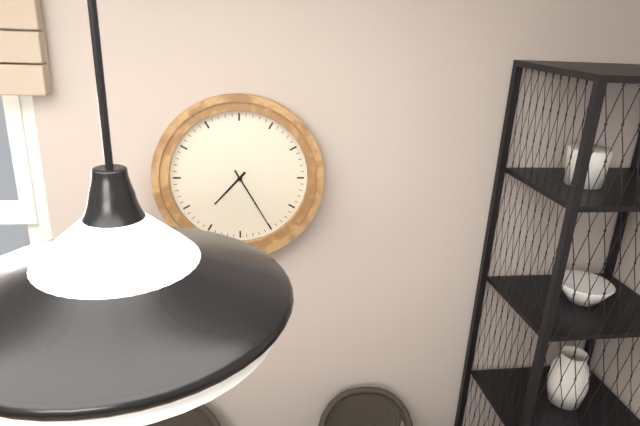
7:25
